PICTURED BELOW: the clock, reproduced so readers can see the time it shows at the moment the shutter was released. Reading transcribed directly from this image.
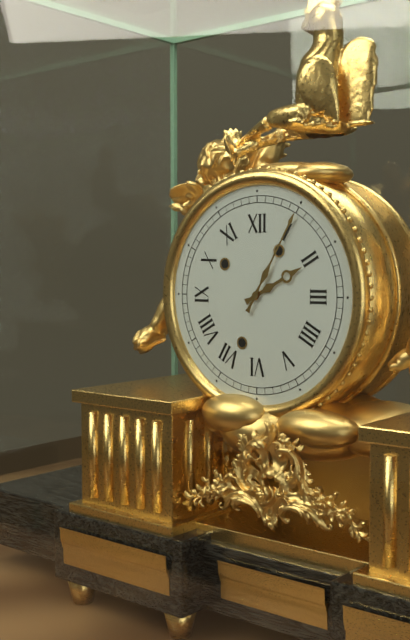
2:05
